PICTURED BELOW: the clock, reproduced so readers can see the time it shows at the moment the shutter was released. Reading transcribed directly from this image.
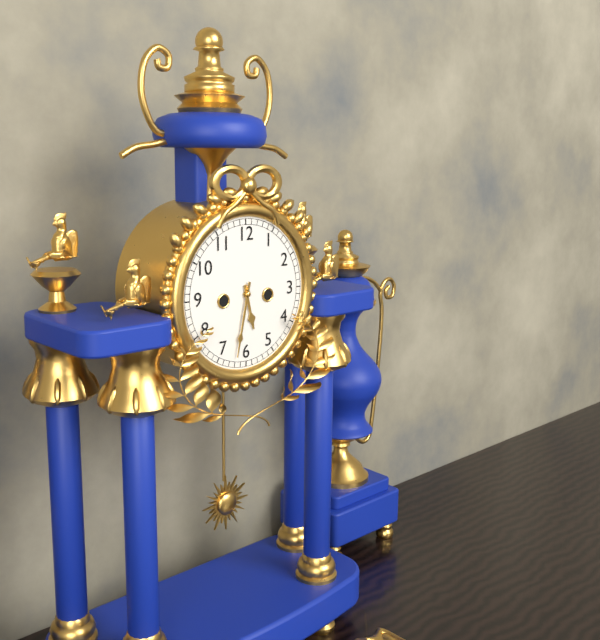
5:32
